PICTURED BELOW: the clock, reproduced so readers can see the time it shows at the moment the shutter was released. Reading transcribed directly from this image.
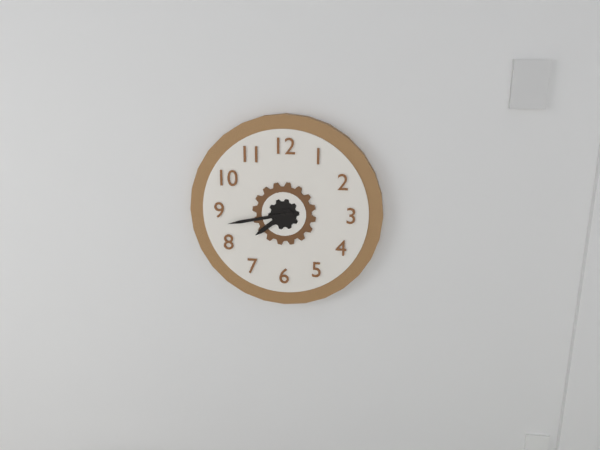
7:43
